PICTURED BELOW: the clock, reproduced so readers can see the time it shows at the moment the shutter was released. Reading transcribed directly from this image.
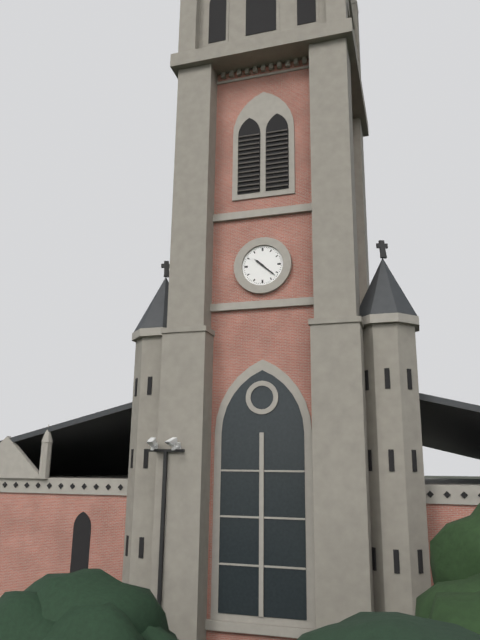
10:22
